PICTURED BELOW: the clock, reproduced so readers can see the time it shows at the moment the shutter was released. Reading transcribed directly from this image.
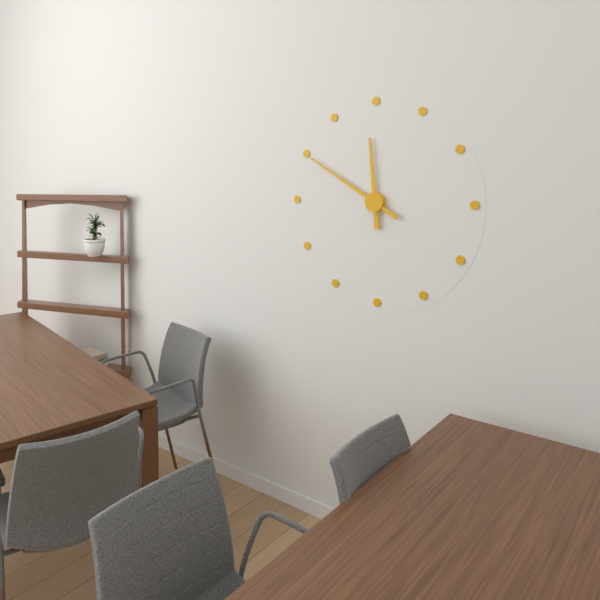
11:50
